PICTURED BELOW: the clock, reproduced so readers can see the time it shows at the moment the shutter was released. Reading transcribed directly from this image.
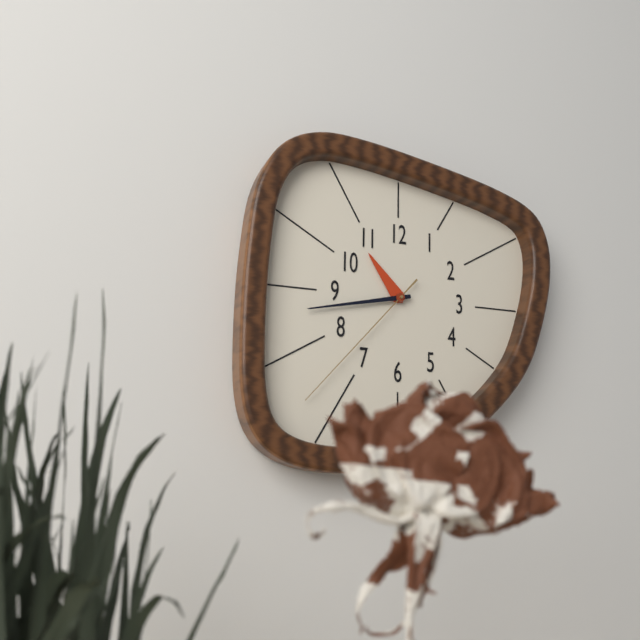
10:43:37
